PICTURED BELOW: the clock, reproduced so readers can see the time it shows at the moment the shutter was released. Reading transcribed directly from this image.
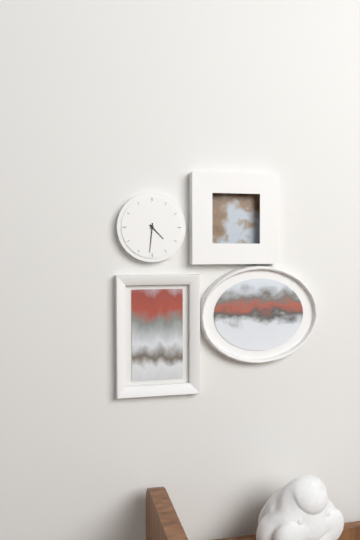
4:31
